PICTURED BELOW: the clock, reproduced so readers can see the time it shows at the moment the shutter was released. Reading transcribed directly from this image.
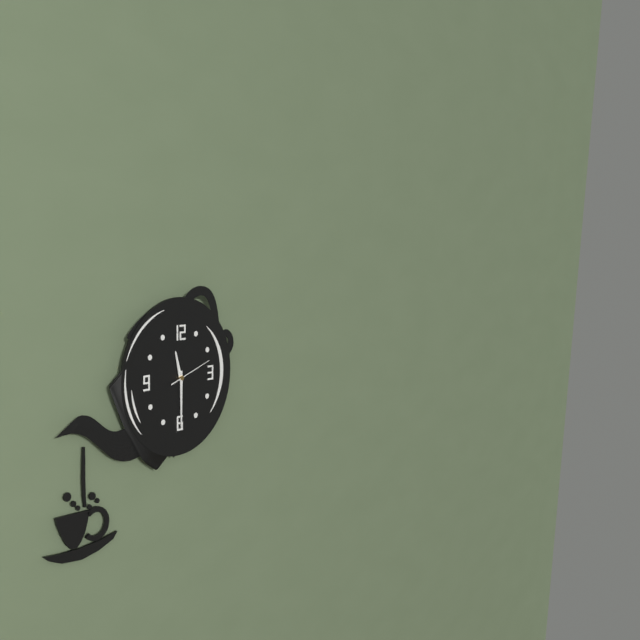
11:30
